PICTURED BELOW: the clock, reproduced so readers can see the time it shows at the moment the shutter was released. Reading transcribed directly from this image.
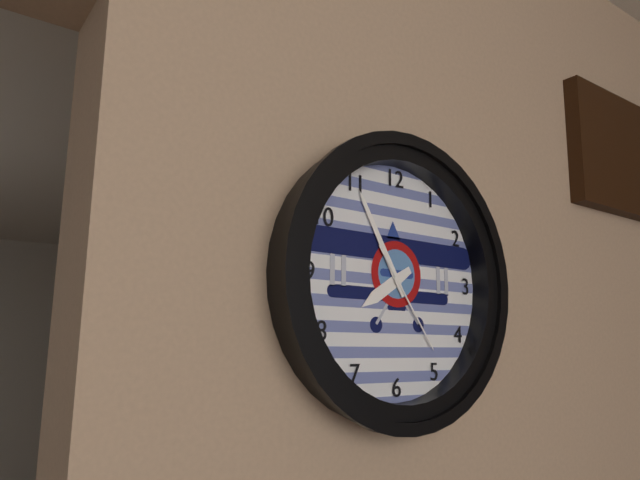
7:55:24
